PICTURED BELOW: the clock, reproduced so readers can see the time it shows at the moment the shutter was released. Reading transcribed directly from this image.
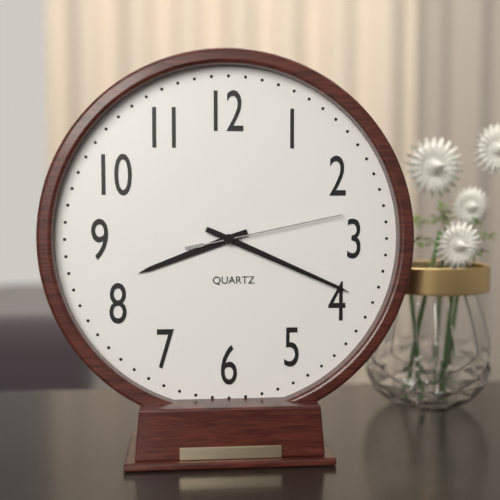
8:19:13
